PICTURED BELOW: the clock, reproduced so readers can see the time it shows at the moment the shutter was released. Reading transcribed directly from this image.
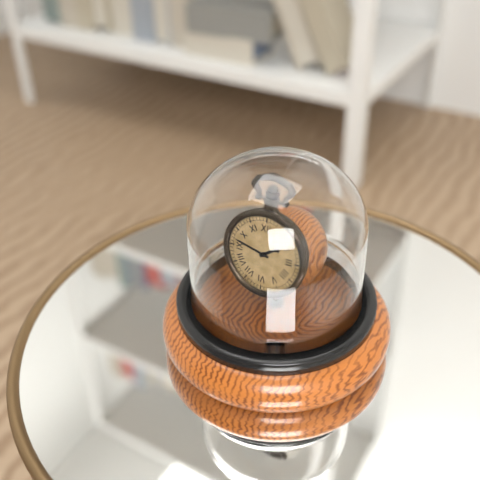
1:47
